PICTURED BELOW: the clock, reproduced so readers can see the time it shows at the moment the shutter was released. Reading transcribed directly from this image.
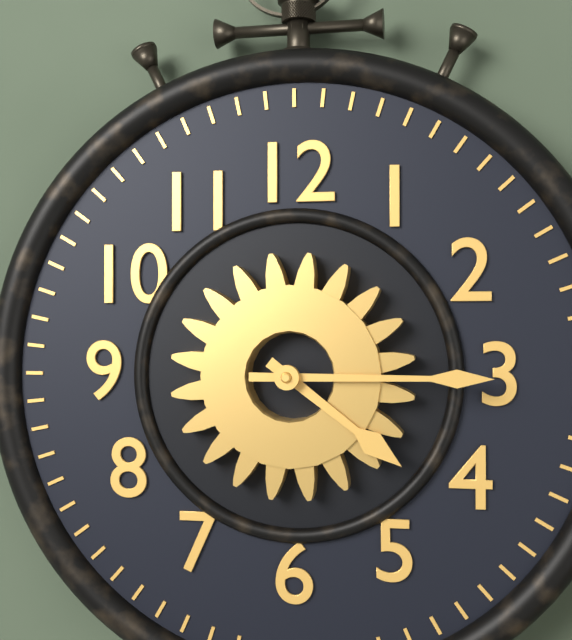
4:15
